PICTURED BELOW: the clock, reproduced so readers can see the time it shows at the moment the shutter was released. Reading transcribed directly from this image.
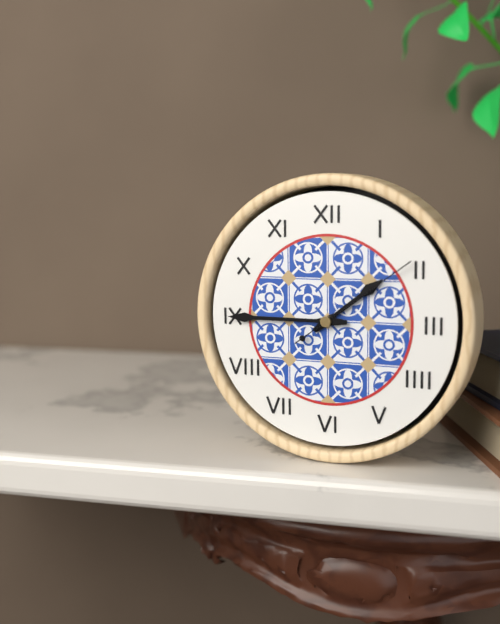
1:45:09
